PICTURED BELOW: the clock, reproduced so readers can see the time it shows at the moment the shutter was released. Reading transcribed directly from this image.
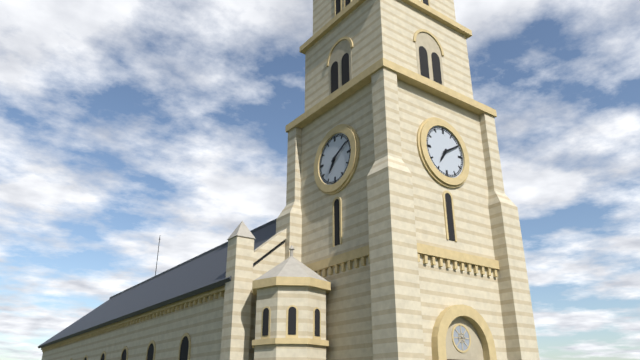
7:10
